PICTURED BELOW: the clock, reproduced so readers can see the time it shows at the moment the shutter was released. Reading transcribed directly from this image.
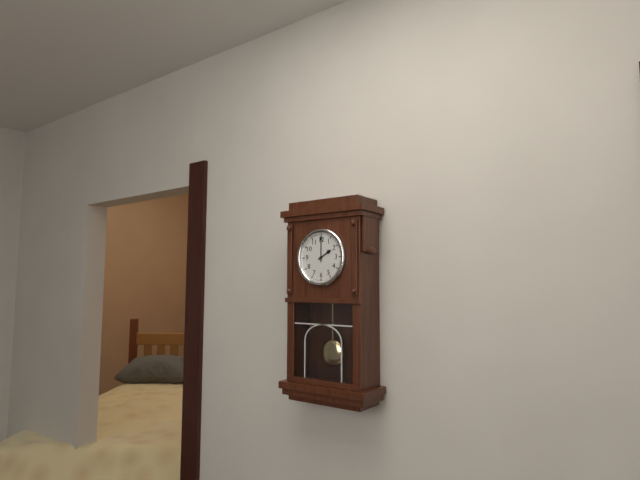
2:00
